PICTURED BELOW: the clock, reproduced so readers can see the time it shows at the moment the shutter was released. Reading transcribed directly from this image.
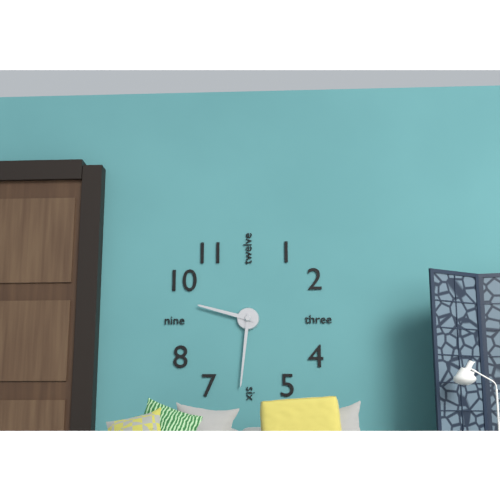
9:31
